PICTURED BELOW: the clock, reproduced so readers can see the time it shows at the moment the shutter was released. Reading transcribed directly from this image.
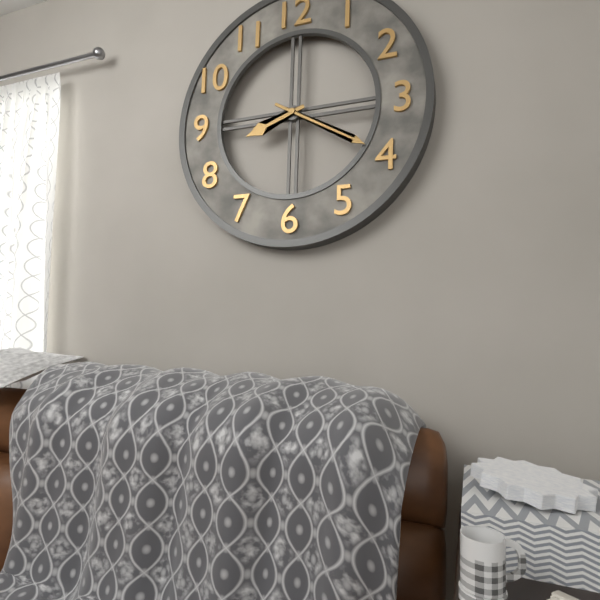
8:20
